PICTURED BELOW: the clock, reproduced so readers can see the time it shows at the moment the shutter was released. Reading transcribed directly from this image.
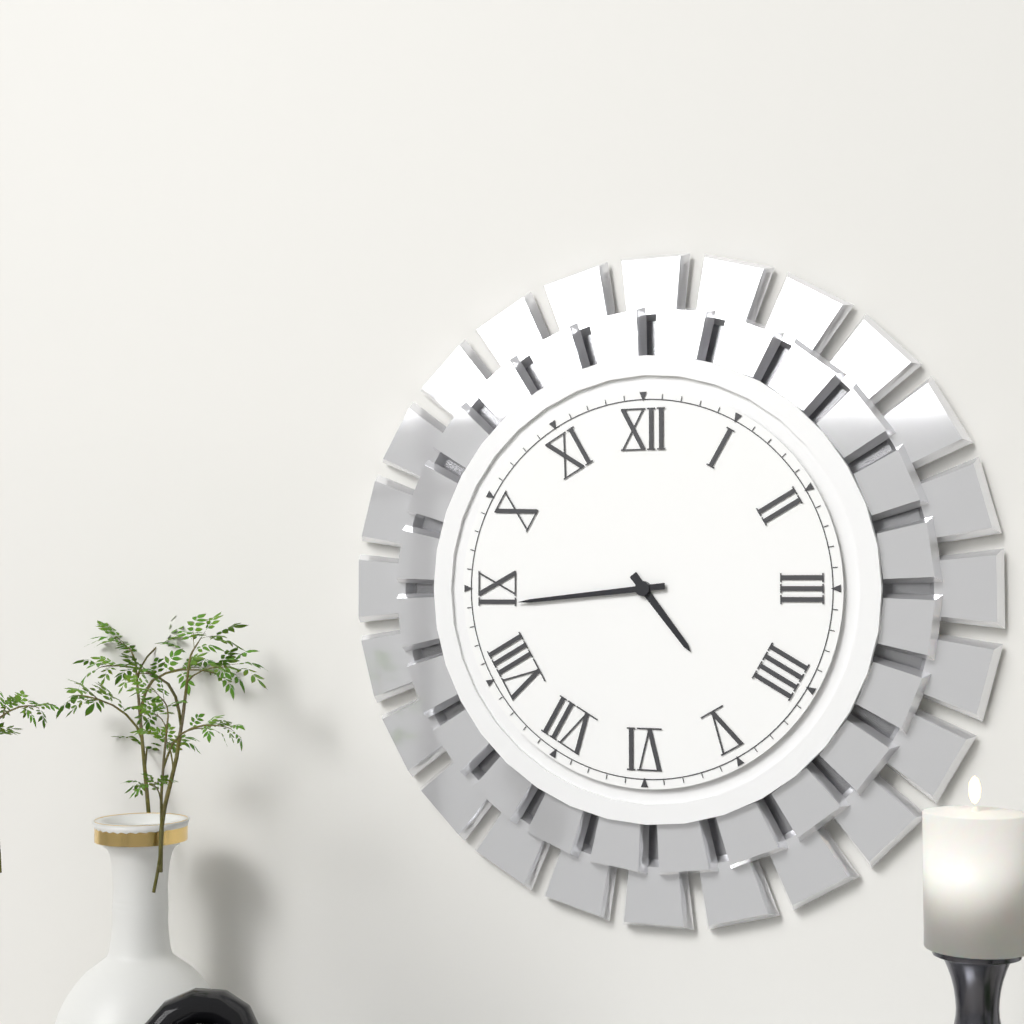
4:44
